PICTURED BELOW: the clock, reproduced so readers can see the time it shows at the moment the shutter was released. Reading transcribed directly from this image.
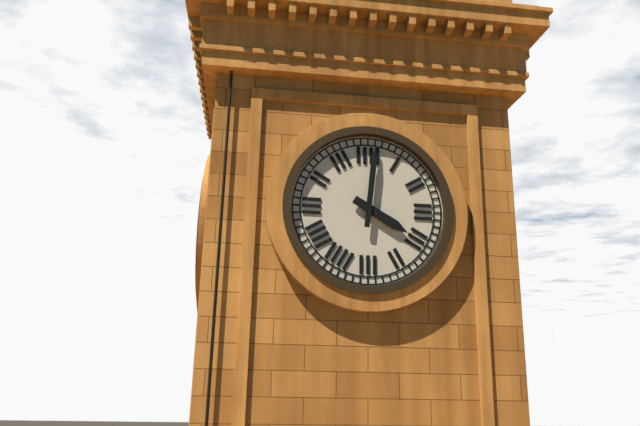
4:01
